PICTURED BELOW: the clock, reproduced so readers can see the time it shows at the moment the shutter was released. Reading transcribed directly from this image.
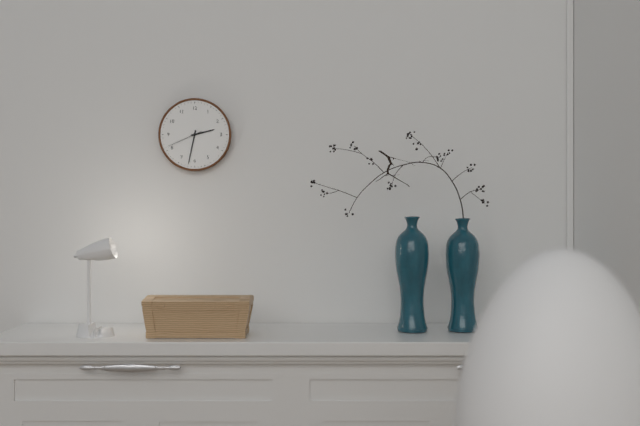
2:32
